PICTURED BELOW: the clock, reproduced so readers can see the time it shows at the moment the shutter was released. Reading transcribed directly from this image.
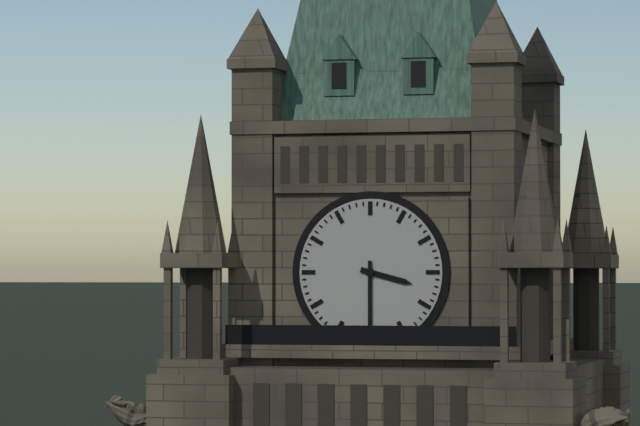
3:30
